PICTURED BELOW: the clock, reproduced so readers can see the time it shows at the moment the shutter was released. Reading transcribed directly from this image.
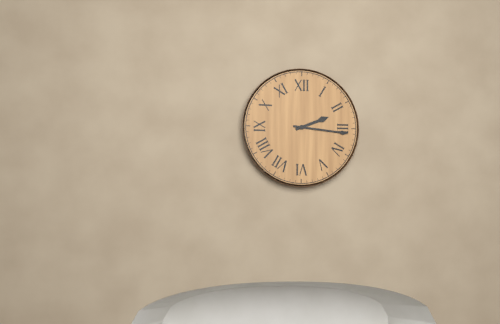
2:16
